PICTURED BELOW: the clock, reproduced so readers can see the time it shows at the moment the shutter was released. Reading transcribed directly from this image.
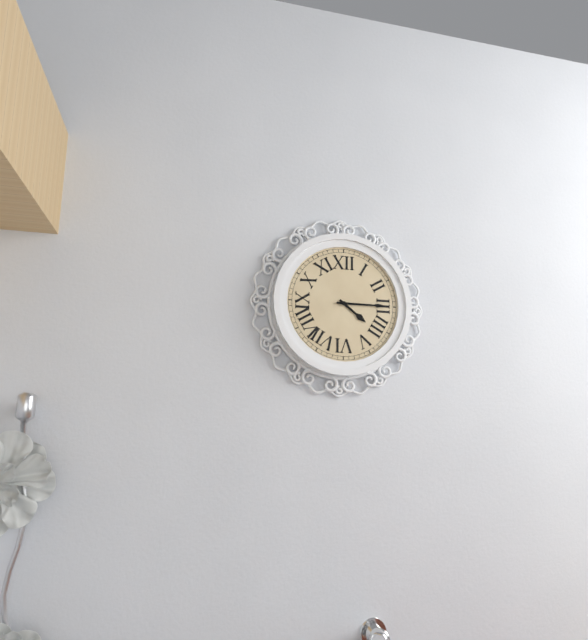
4:15
